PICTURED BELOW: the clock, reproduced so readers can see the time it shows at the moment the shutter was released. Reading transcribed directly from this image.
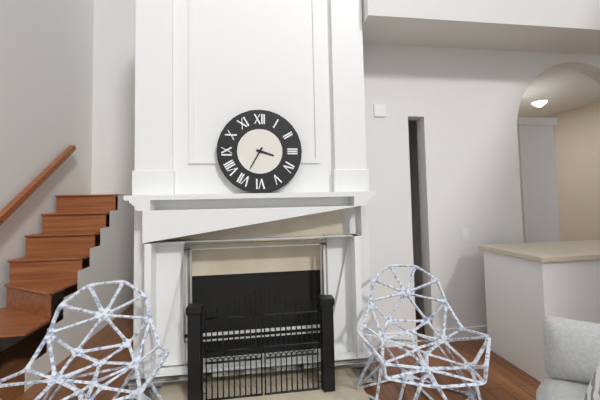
3:35
